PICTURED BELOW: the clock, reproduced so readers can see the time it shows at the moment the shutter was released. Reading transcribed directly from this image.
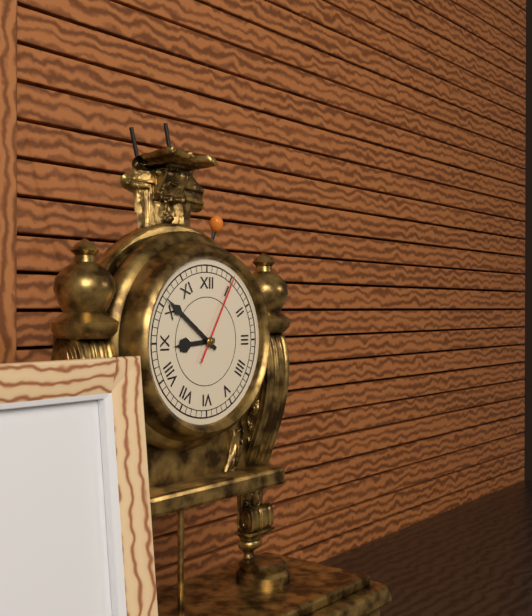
8:51:05
